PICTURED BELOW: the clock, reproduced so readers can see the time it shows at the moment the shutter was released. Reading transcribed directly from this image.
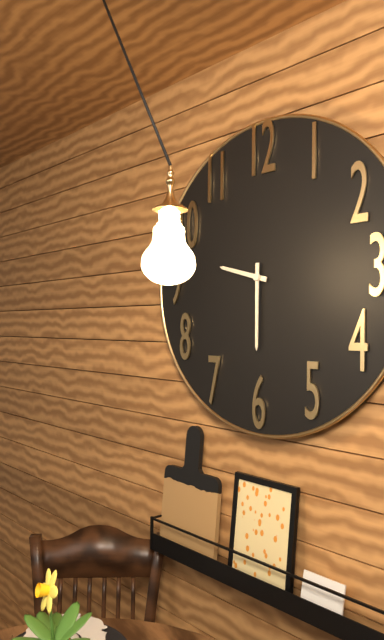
9:30
